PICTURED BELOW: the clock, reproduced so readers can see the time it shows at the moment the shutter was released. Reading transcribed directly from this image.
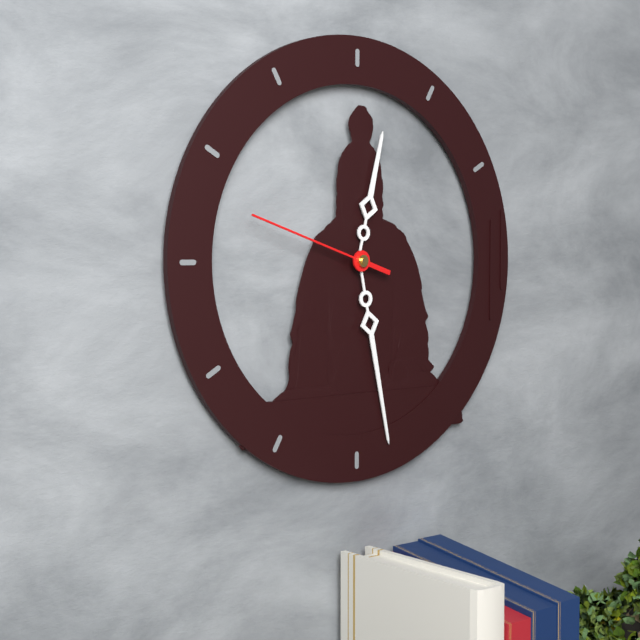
12:28:48
